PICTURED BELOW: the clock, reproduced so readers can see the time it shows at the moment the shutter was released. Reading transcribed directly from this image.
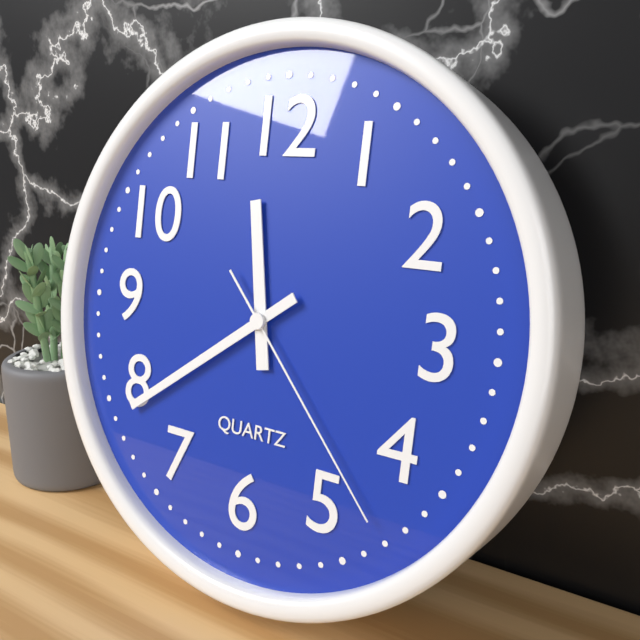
11:39:23
